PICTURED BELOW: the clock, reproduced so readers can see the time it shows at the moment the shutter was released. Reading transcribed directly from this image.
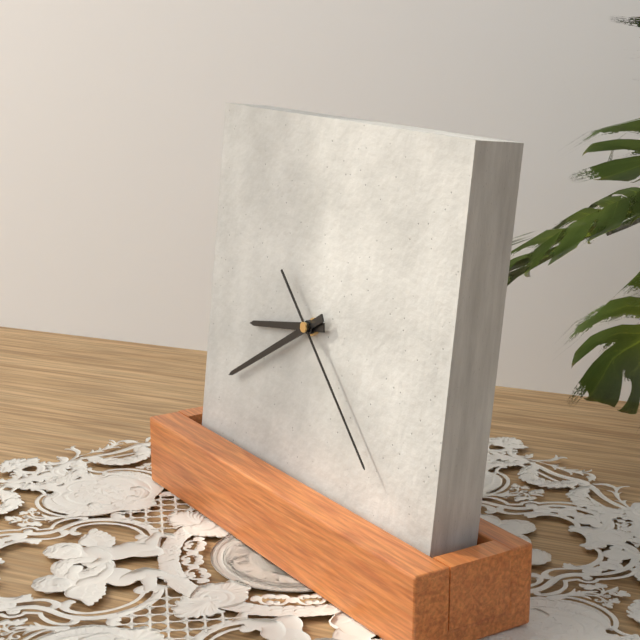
8:40:22
